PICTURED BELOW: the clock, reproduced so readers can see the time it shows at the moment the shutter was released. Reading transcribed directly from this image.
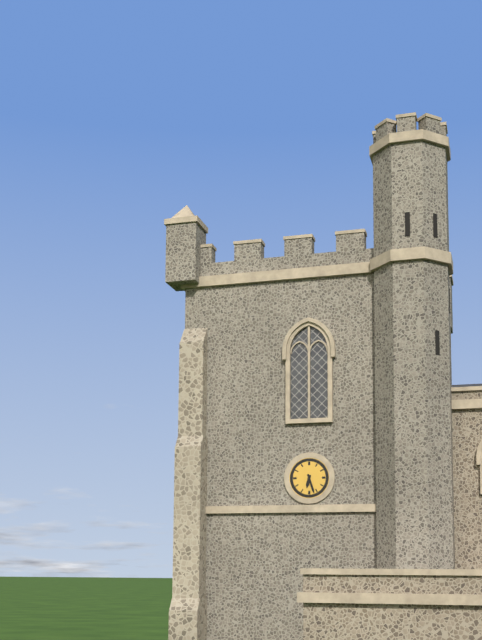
6:27
